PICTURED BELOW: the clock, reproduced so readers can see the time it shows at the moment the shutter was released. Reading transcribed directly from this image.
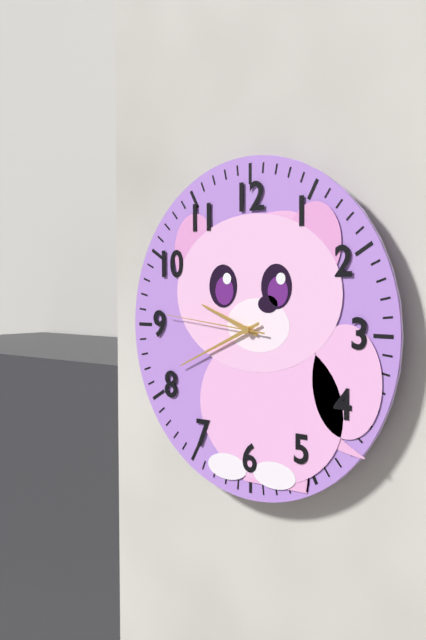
9:41:46
